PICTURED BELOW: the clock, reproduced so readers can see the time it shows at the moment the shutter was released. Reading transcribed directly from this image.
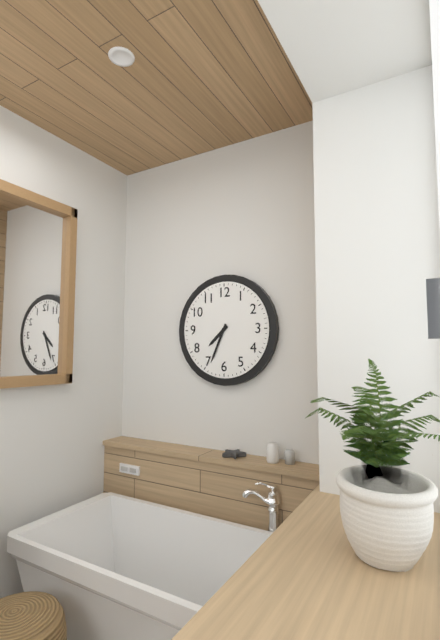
7:34
